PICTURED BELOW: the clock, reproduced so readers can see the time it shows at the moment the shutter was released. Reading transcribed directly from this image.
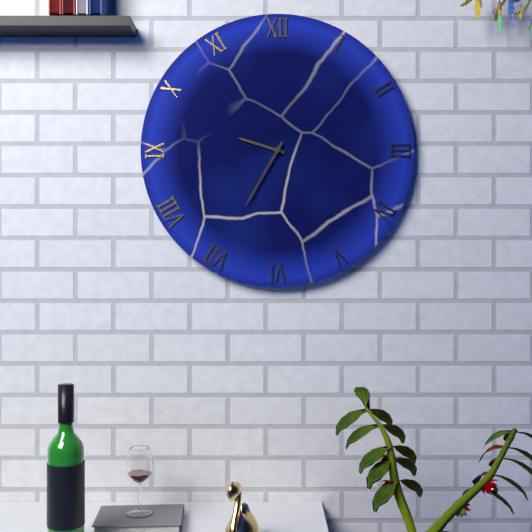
9:35
